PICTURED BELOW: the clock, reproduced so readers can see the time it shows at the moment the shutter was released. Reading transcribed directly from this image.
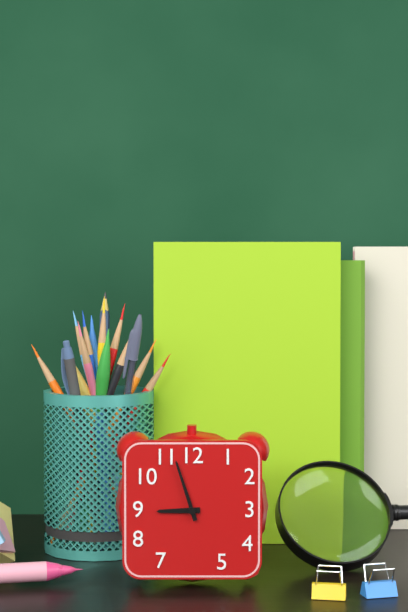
8:57
